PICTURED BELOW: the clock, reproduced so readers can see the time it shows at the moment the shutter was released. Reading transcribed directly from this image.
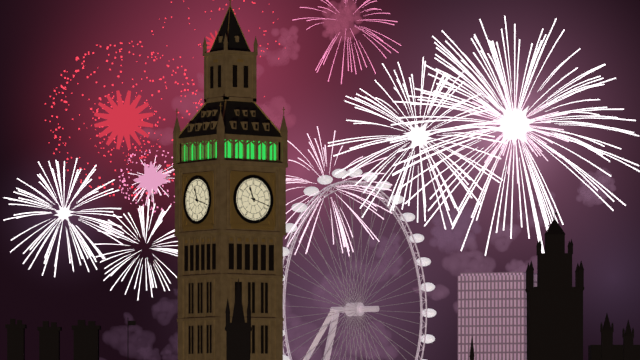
11:18
